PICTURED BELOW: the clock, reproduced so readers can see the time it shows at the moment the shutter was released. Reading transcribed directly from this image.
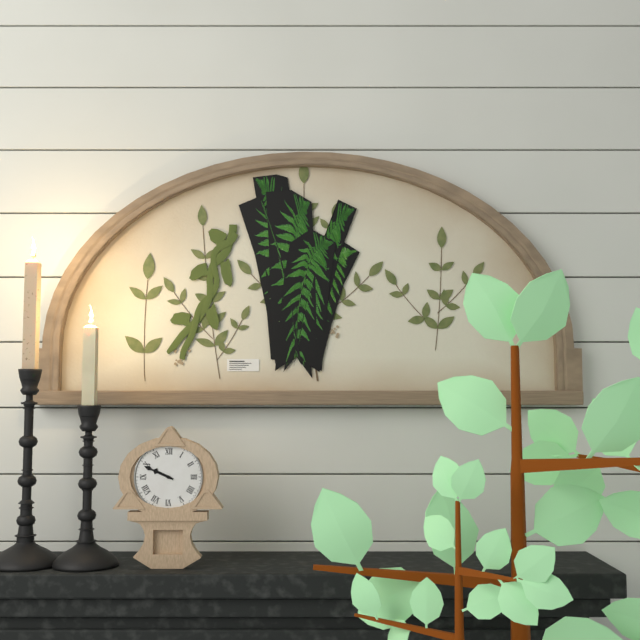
9:49
